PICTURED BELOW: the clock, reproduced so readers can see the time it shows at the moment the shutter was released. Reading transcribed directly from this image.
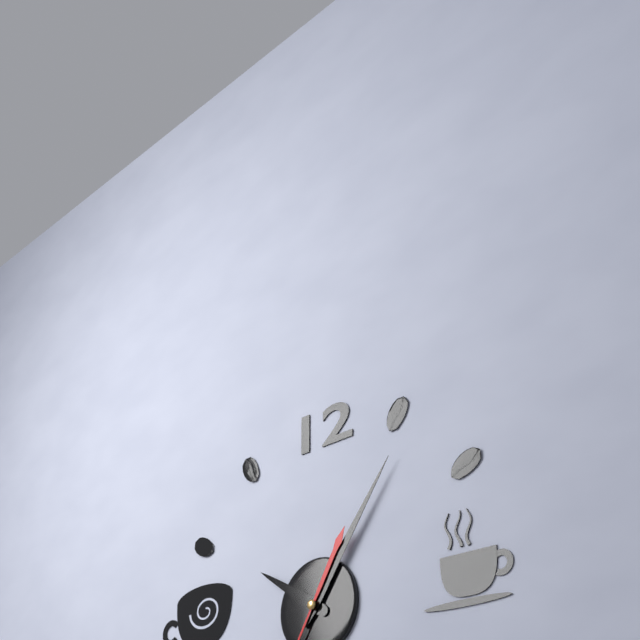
10:06
